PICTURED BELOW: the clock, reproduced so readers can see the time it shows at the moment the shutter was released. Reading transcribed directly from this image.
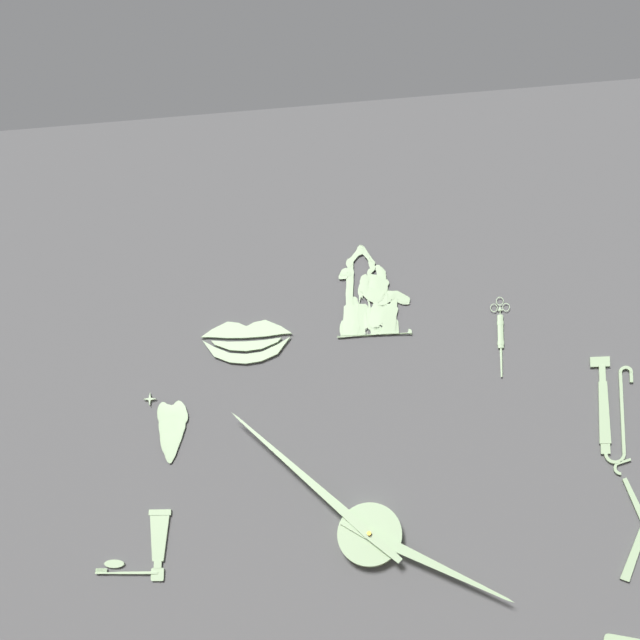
3:52
